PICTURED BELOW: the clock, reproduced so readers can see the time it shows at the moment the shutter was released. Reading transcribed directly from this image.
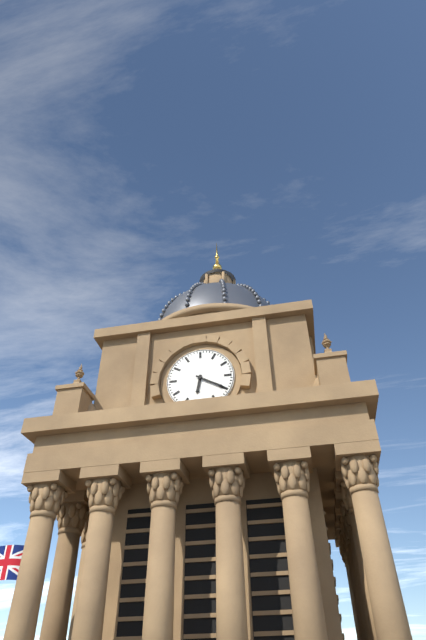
6:20
